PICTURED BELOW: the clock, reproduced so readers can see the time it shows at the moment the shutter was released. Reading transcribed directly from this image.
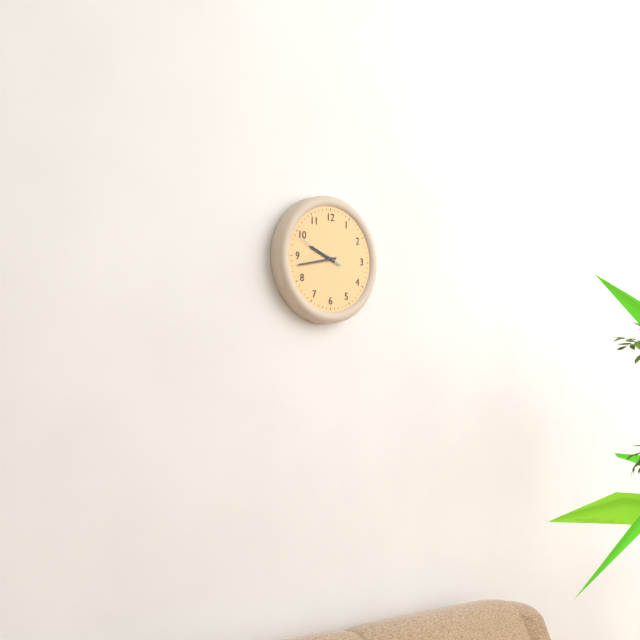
9:43
